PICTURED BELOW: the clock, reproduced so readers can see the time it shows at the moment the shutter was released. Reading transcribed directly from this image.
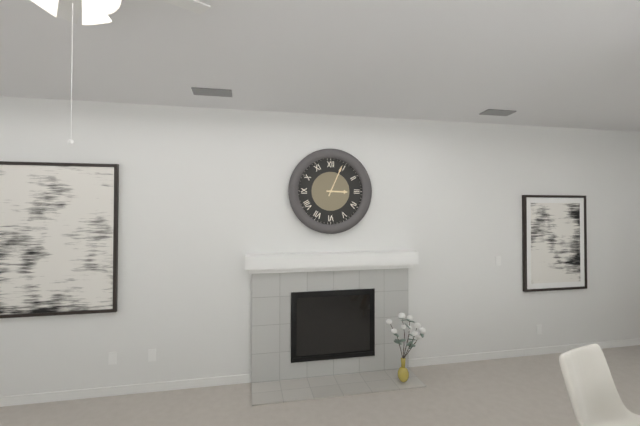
3:04
